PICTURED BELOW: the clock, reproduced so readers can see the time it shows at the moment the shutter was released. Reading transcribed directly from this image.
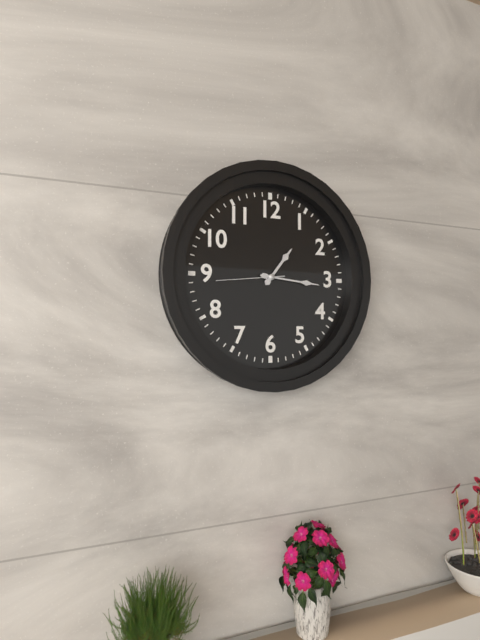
1:16:44
